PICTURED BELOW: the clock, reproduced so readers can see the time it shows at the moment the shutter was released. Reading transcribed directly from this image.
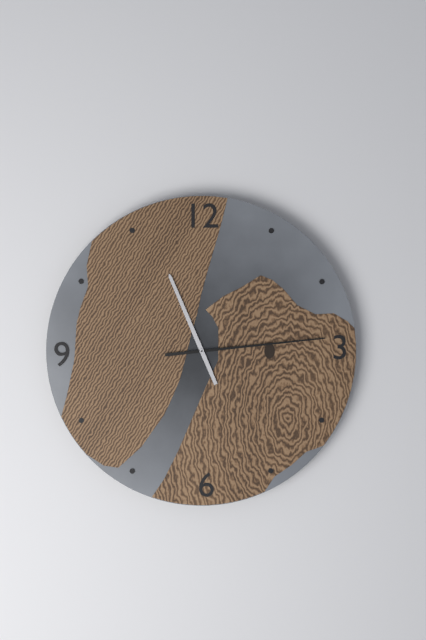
11:14
